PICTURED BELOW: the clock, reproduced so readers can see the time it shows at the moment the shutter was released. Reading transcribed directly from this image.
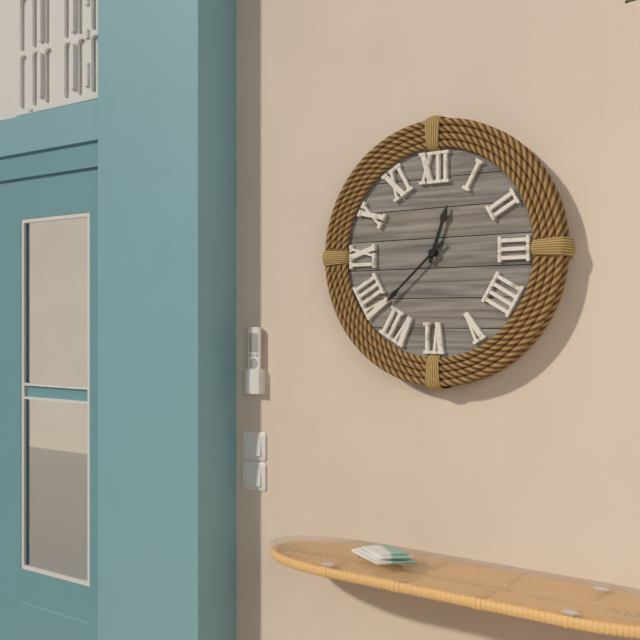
12:38
